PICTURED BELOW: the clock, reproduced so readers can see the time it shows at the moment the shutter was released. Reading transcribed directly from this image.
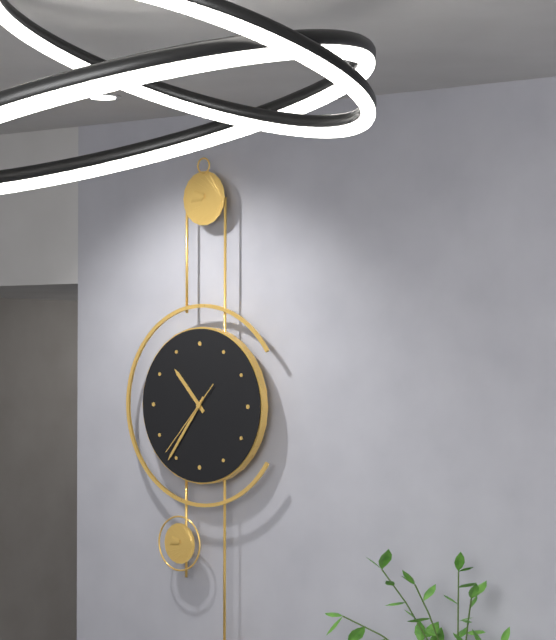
10:36:37
